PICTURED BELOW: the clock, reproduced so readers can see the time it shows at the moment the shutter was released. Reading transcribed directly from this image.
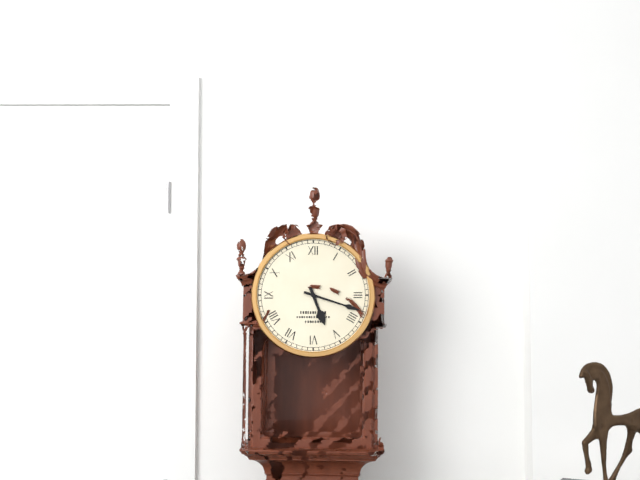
5:18
